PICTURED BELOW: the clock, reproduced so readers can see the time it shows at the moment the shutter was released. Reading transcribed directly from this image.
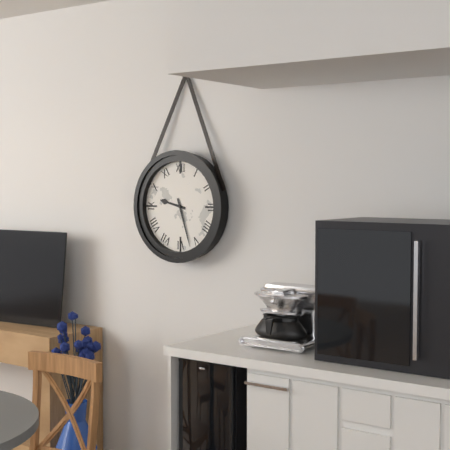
9:27
